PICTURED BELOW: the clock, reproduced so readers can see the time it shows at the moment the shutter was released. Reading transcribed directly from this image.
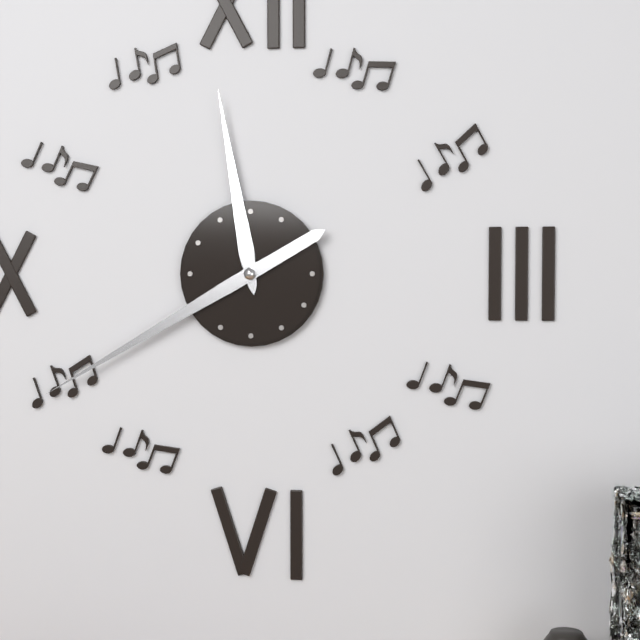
11:40
